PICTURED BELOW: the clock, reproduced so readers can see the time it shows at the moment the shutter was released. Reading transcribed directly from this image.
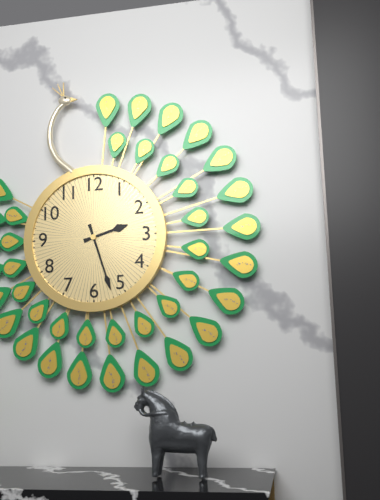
2:27
